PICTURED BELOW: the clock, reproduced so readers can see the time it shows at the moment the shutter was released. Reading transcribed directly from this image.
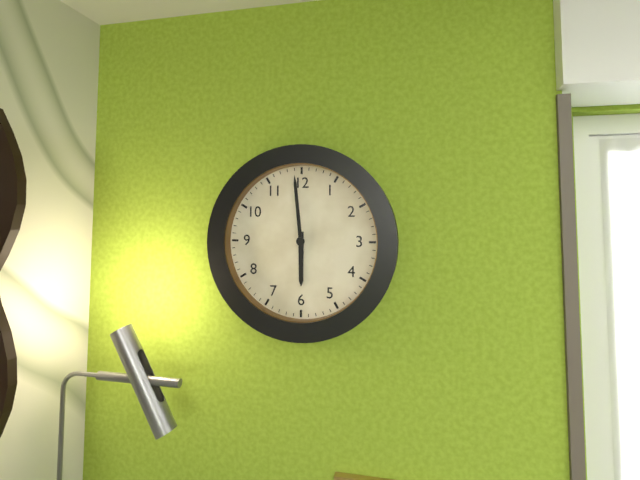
5:59
